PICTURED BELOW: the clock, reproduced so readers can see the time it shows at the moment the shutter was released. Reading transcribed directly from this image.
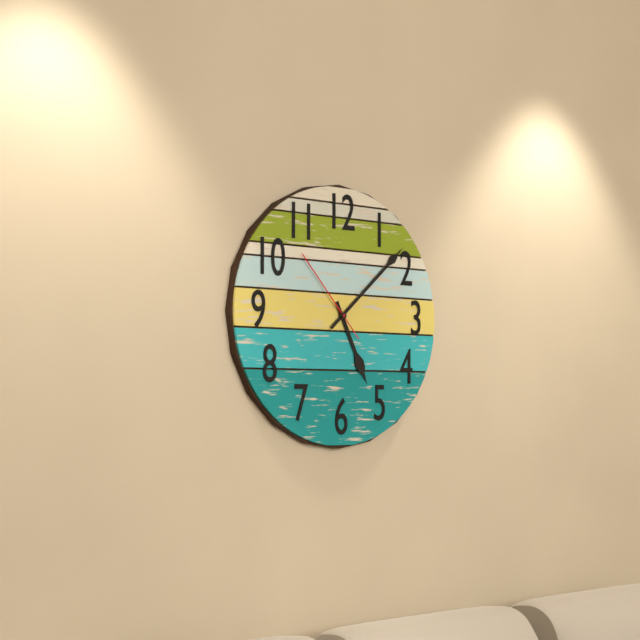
5:08:53
